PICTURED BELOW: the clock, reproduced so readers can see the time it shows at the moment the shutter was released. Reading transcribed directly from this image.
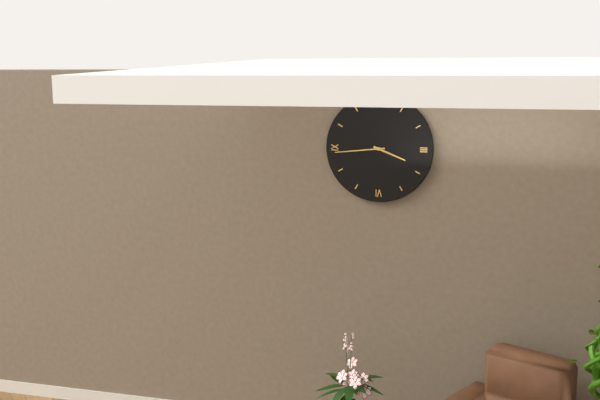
3:44
